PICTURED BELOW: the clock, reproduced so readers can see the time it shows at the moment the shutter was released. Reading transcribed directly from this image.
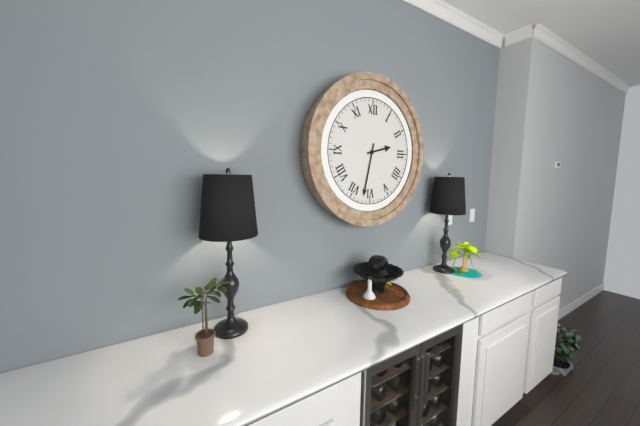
2:32
